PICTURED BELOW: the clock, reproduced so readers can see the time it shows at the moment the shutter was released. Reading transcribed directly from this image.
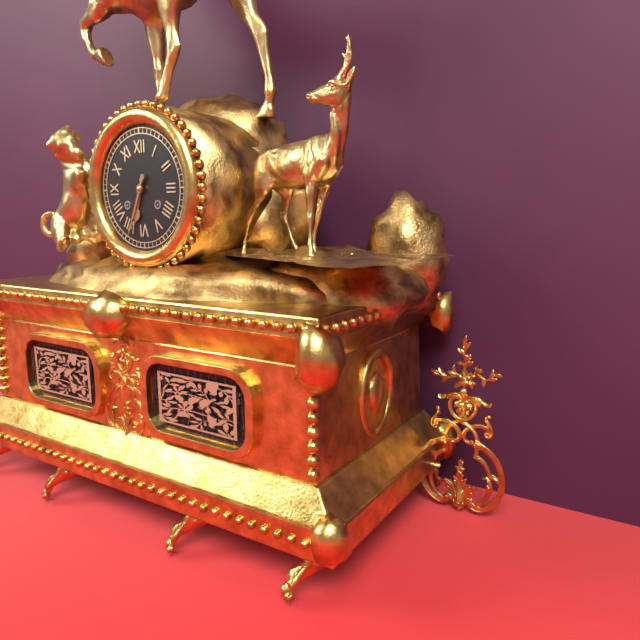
6:34
